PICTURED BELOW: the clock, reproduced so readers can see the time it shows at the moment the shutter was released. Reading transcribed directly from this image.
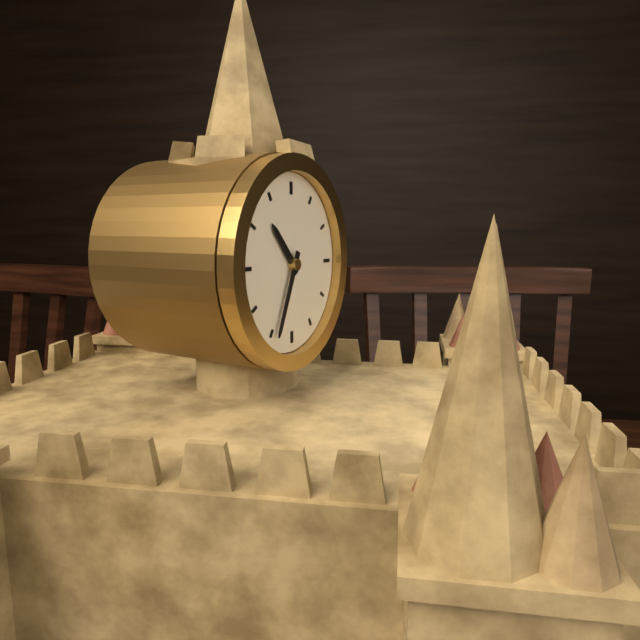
10:34
